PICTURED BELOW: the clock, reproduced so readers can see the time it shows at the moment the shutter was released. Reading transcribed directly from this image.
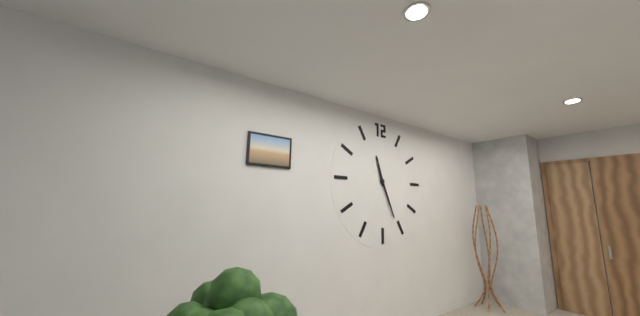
11:26
